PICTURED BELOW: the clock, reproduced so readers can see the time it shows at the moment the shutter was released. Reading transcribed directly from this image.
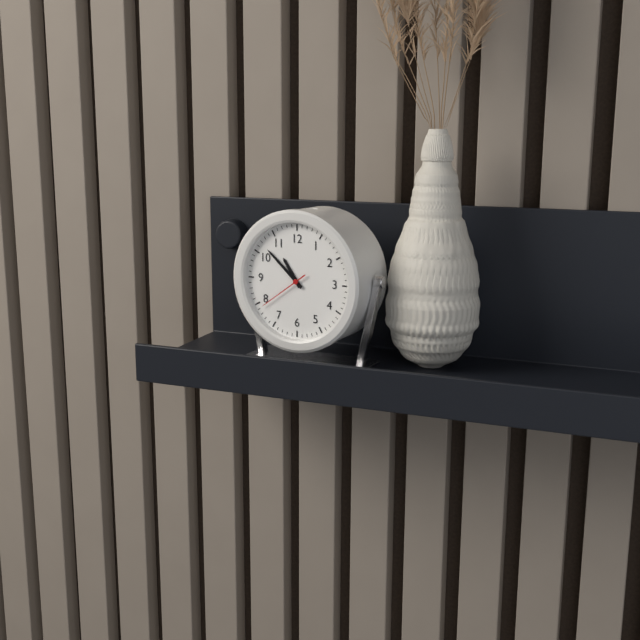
10:52:39
